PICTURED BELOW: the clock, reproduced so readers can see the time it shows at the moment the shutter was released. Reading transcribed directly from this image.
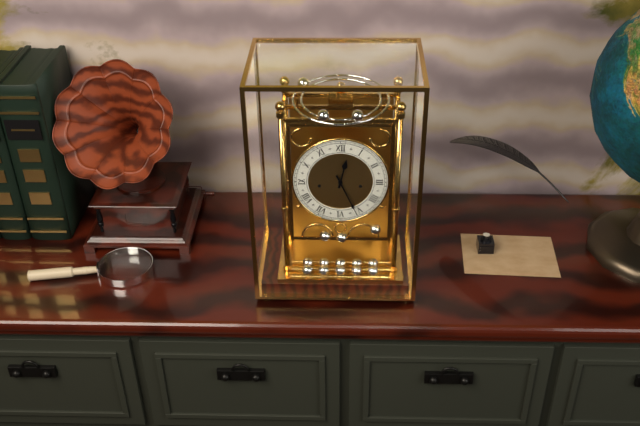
12:26
